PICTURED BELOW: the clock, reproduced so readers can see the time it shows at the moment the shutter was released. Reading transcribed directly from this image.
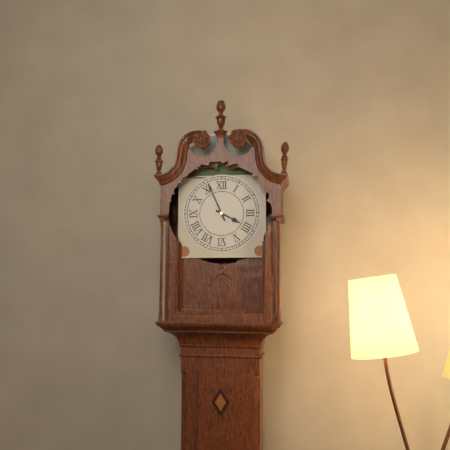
3:56
